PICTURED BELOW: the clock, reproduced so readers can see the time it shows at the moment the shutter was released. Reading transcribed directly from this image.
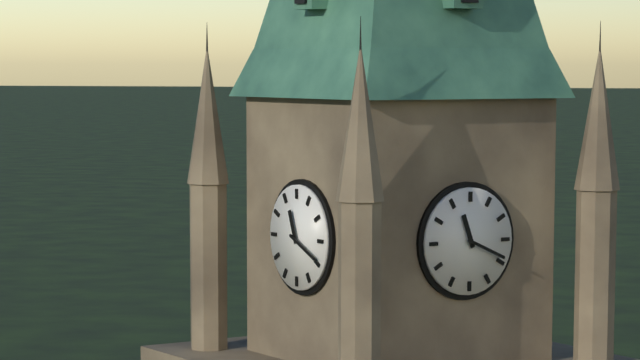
11:19
